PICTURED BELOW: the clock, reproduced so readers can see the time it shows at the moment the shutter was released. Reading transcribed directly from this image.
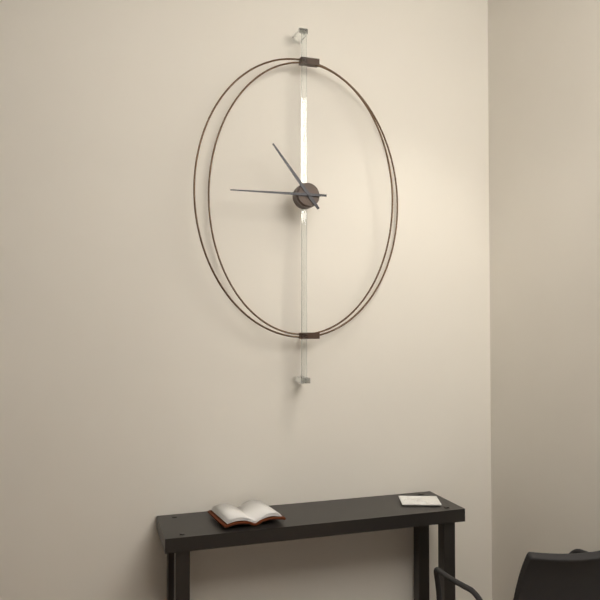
10:45
